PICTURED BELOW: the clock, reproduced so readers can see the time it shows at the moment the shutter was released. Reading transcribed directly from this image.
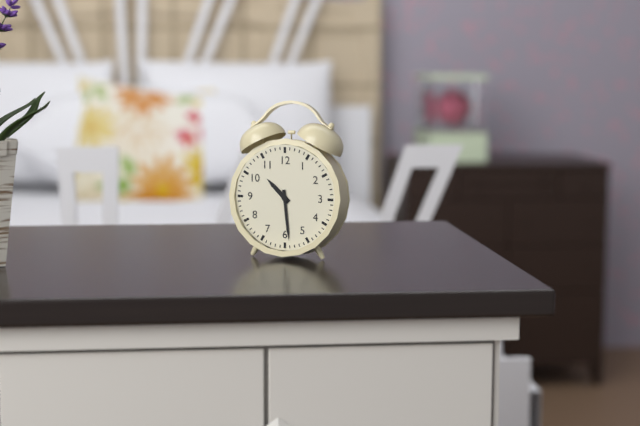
10:29
